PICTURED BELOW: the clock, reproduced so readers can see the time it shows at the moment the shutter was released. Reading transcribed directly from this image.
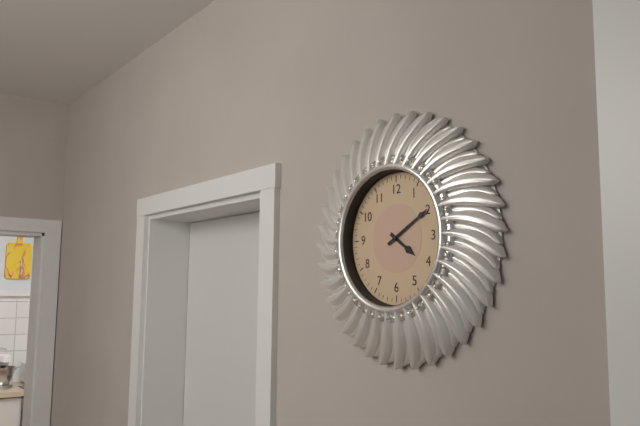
4:10
